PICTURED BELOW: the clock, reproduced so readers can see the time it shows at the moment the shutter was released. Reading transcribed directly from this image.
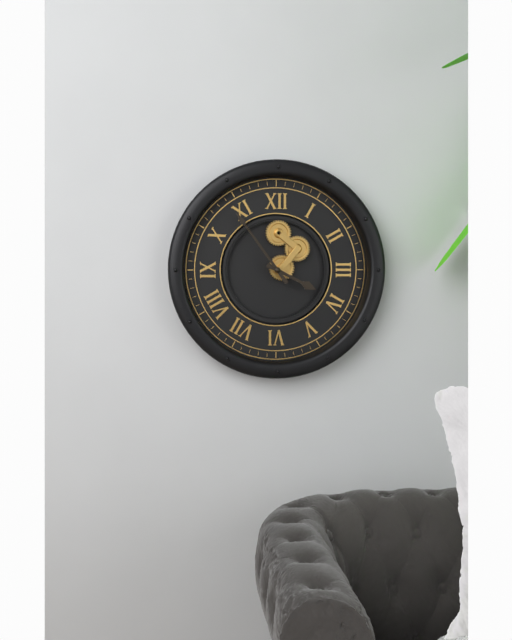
3:54
